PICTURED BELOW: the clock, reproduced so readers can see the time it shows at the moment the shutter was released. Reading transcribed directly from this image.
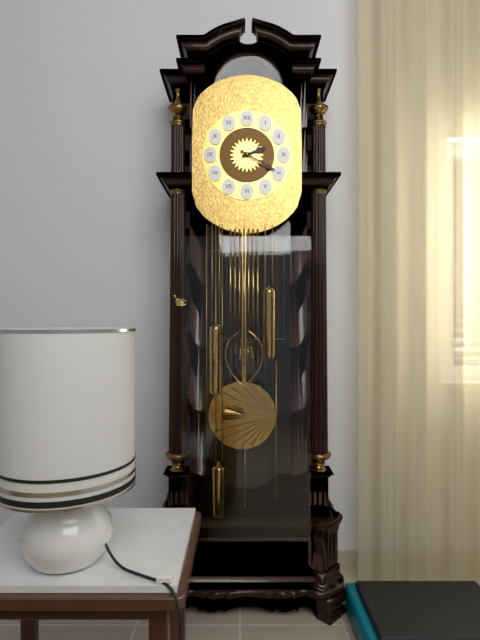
2:20
